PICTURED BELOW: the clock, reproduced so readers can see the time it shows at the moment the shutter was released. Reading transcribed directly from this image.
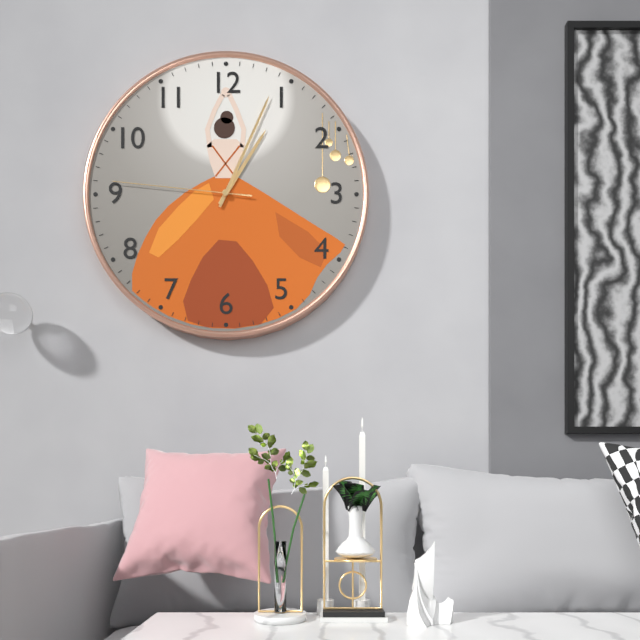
1:04:46
